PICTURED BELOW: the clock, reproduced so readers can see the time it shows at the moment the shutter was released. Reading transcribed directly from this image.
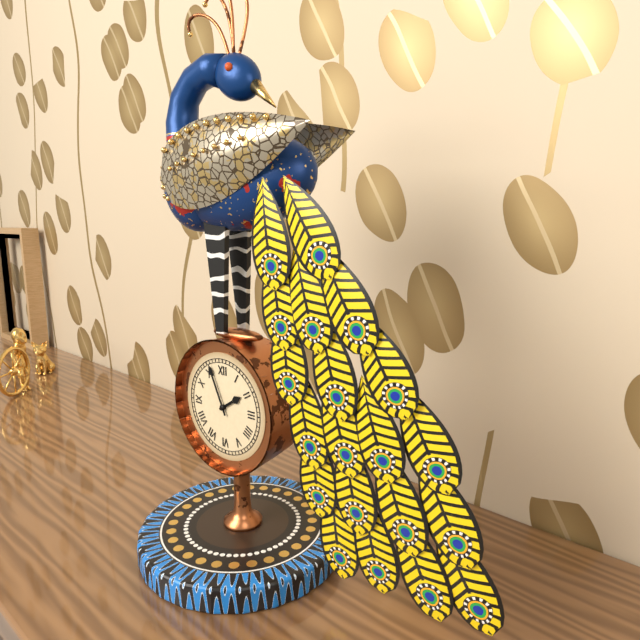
1:56
